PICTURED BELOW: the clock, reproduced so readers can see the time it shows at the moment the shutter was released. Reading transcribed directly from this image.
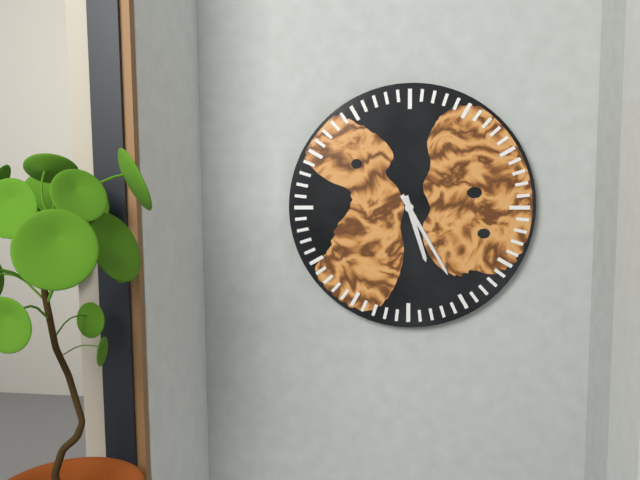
5:25
